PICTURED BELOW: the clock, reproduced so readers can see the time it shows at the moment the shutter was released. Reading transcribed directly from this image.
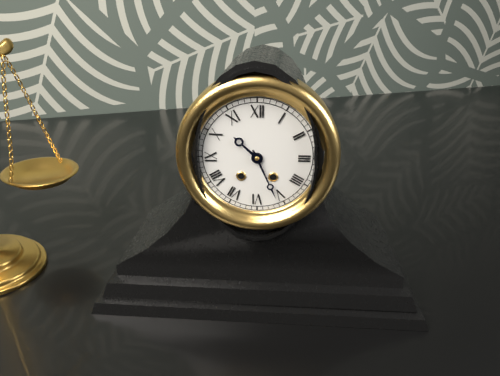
10:26
